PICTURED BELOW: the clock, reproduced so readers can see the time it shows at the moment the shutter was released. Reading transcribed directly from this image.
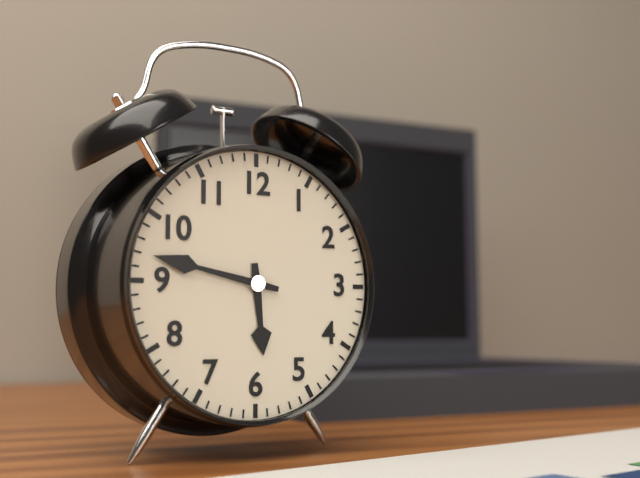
5:47
